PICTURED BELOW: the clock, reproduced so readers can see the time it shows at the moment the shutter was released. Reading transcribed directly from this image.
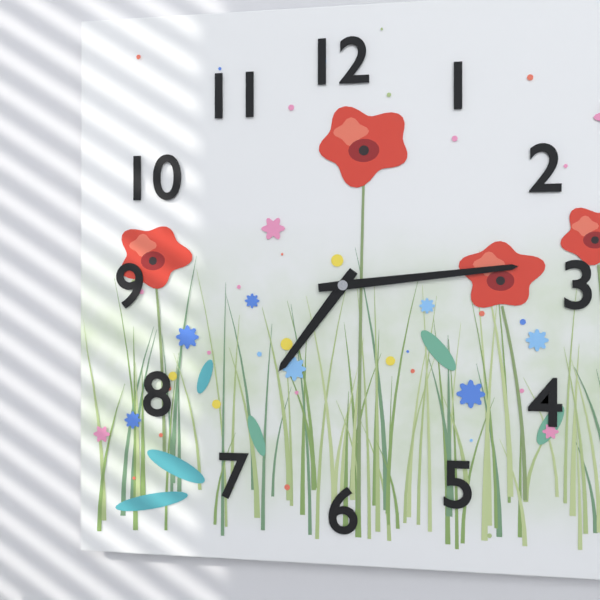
7:14
